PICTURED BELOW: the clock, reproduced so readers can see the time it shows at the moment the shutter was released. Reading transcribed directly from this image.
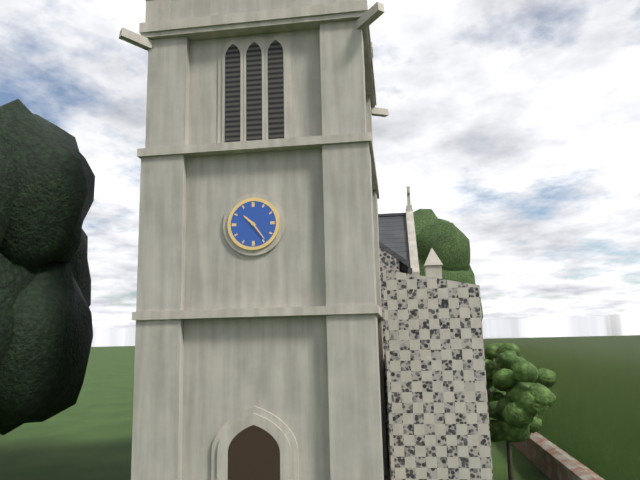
10:24
